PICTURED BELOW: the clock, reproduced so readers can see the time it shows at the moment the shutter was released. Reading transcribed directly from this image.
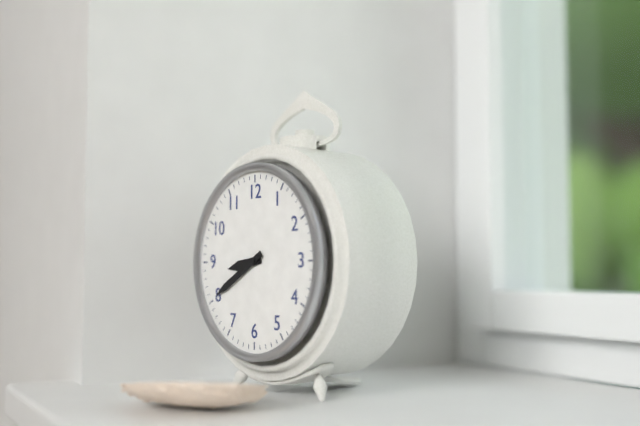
8:40
